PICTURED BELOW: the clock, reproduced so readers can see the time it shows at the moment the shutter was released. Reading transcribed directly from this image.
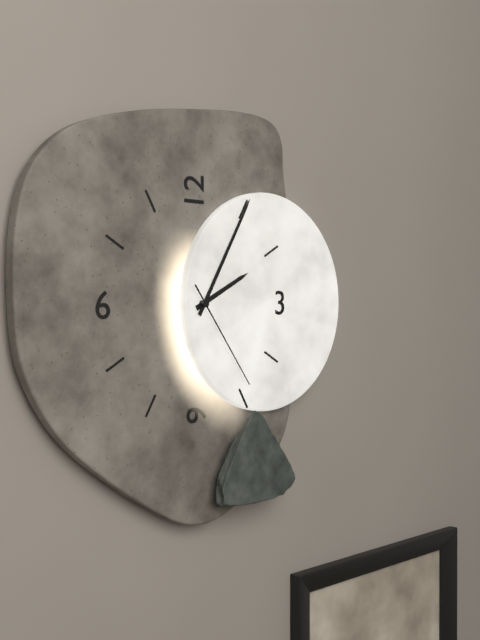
2:05:24
